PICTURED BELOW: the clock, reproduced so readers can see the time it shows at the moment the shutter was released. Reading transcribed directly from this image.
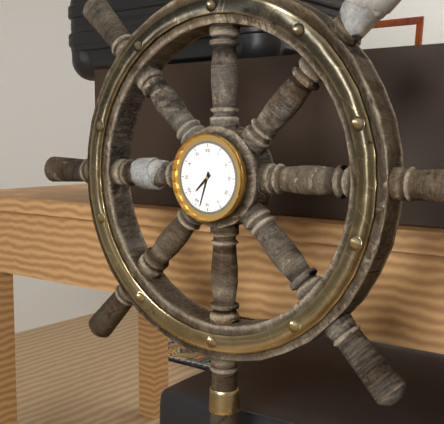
7:33
